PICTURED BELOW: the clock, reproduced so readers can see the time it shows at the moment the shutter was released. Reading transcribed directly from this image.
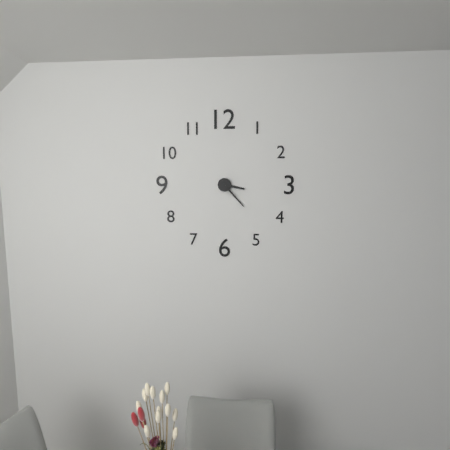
3:23
